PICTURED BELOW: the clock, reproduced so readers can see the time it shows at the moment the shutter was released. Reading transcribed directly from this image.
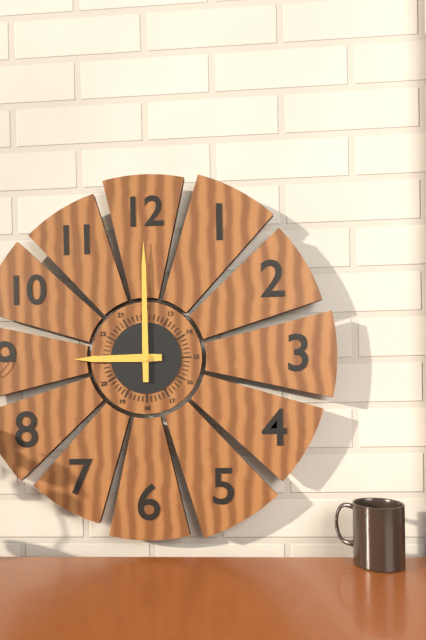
9:00
